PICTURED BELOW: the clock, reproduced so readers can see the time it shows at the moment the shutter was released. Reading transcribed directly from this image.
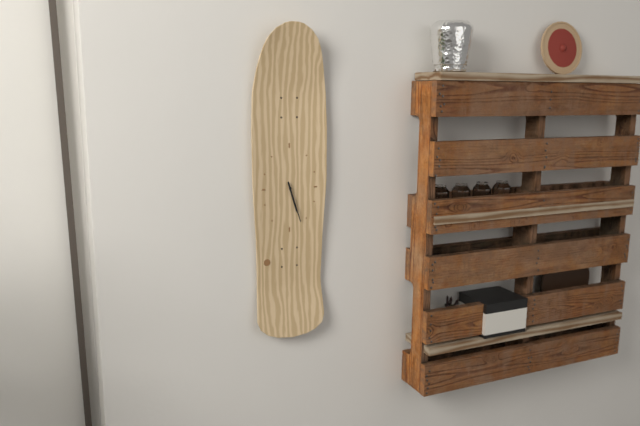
5:27
